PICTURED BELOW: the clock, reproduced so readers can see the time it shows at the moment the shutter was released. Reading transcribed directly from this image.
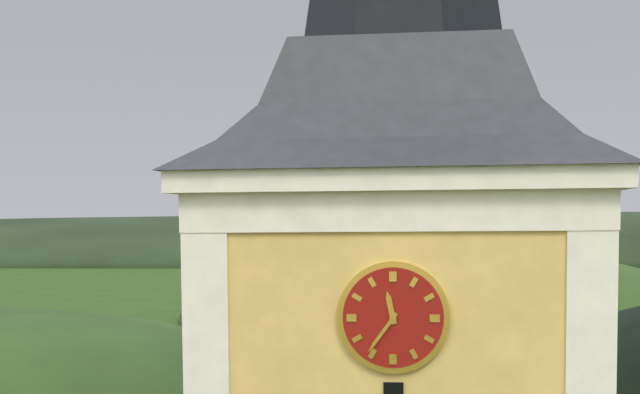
11:36
